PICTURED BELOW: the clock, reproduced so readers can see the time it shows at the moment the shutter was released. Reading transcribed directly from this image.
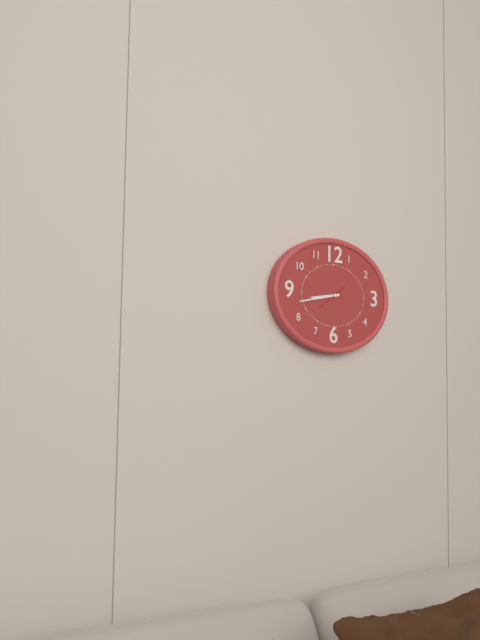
8:43
